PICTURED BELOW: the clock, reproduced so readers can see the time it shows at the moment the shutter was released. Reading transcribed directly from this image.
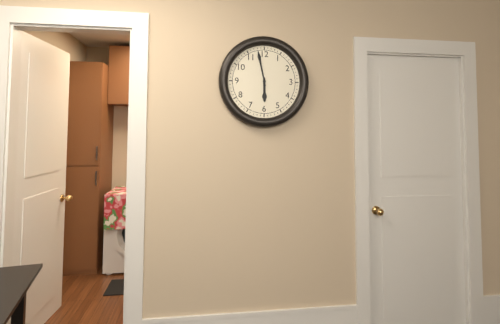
5:58
